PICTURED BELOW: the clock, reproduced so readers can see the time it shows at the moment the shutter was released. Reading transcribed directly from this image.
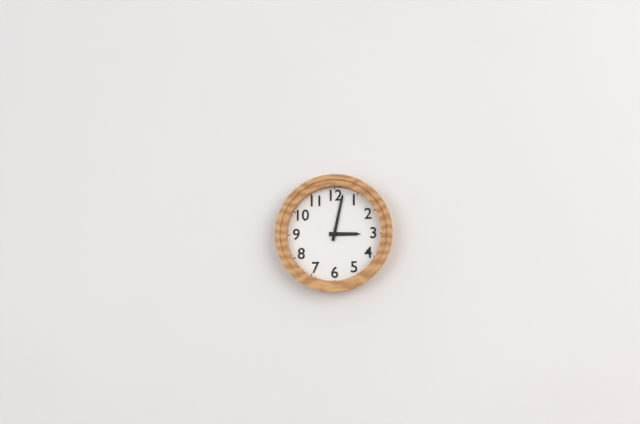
3:02
